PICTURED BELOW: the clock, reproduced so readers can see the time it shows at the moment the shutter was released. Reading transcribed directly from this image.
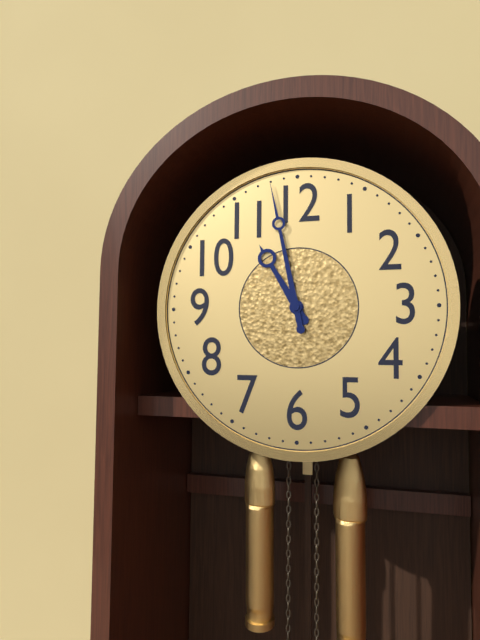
10:58
